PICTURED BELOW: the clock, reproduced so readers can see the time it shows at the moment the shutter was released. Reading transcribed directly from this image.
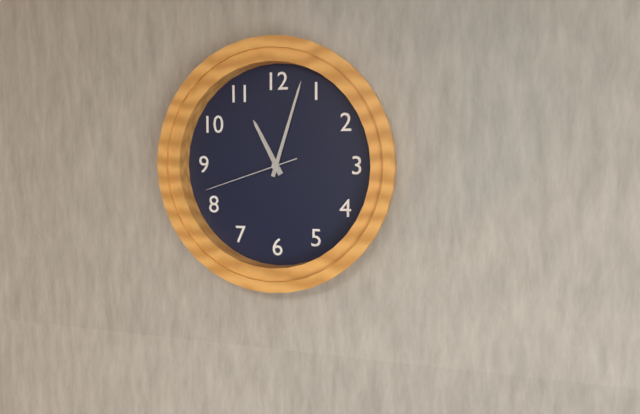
11:03:42
